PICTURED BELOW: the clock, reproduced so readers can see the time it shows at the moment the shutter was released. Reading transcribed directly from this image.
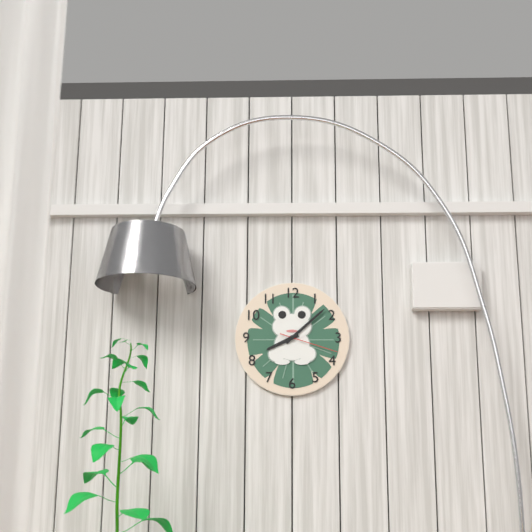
8:08:18
